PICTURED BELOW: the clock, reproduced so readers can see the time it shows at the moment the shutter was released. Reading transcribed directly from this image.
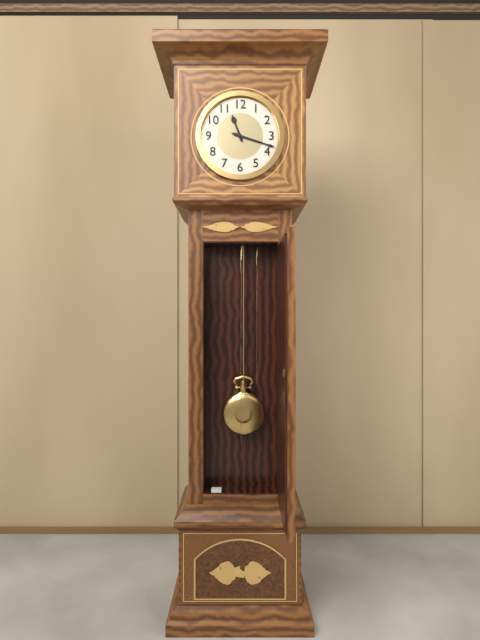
11:18
